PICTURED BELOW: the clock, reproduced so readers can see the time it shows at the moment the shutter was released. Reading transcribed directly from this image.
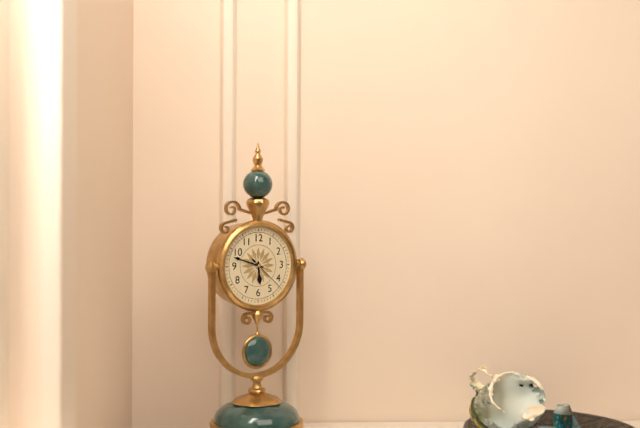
5:48
